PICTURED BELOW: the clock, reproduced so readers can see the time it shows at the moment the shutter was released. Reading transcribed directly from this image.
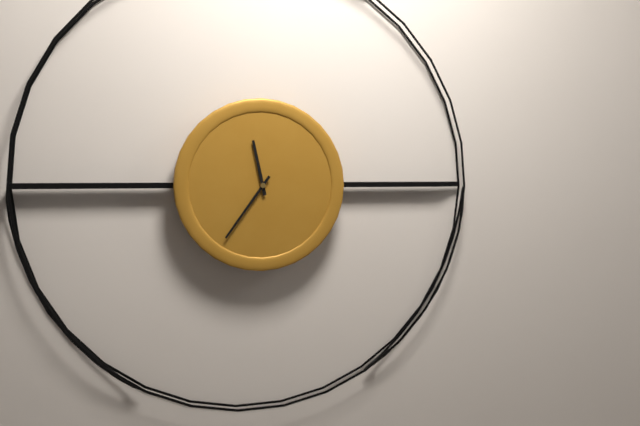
11:36
